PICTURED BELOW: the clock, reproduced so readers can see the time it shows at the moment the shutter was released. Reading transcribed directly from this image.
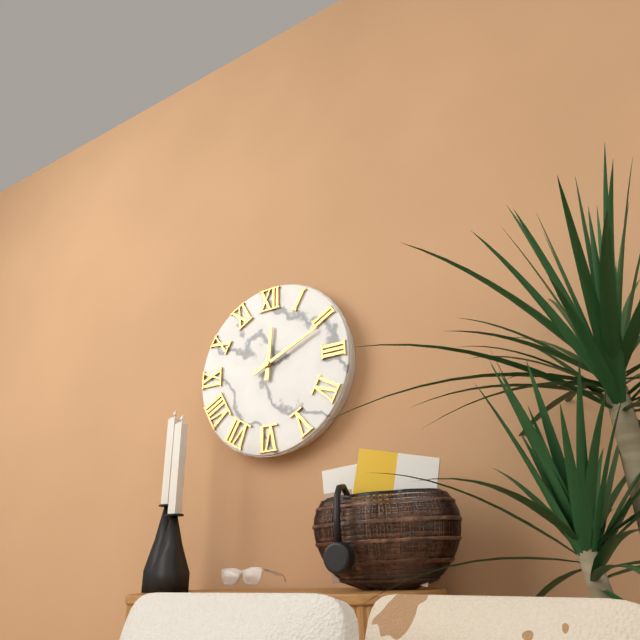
12:11
